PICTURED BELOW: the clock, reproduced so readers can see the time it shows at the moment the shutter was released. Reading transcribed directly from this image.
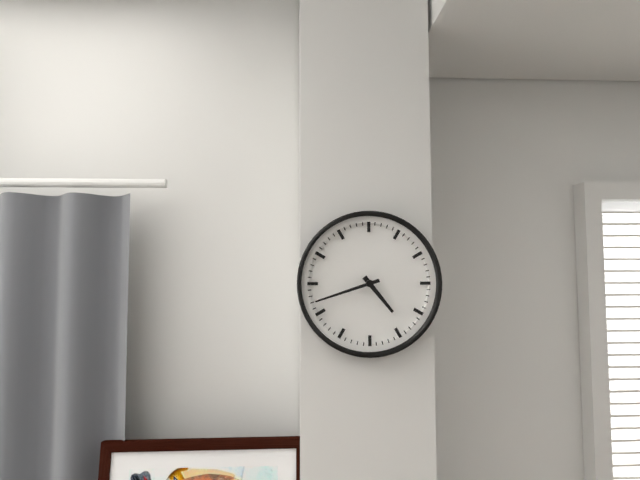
4:42
